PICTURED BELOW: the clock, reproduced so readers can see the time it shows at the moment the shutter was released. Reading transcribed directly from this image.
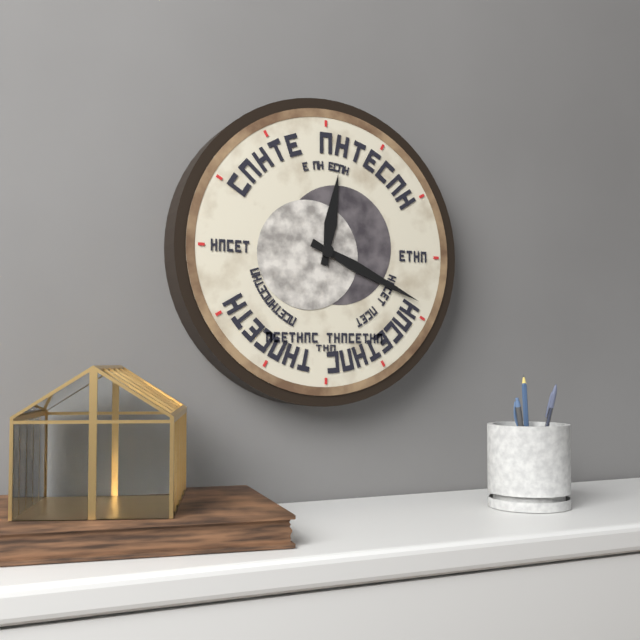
12:19
